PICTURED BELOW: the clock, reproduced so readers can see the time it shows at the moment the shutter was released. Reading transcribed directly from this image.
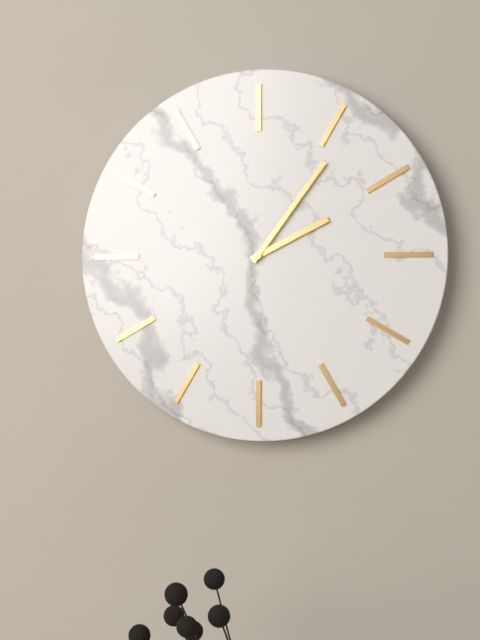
2:06
